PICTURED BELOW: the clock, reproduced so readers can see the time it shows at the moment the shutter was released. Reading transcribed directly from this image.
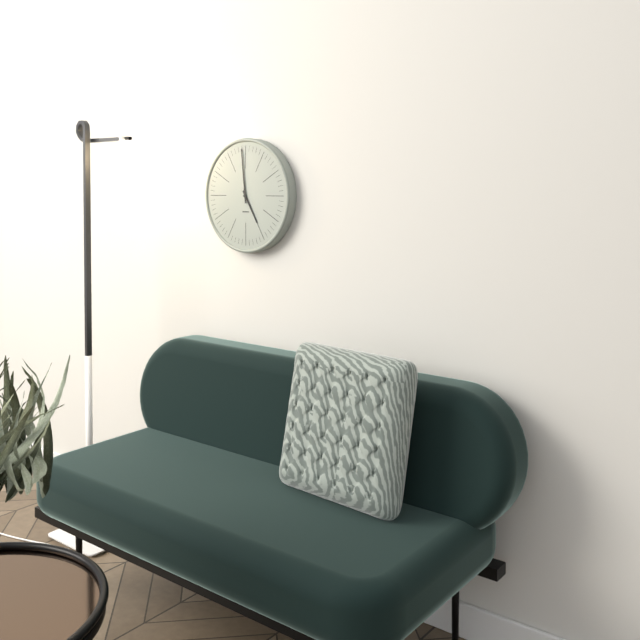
4:59
